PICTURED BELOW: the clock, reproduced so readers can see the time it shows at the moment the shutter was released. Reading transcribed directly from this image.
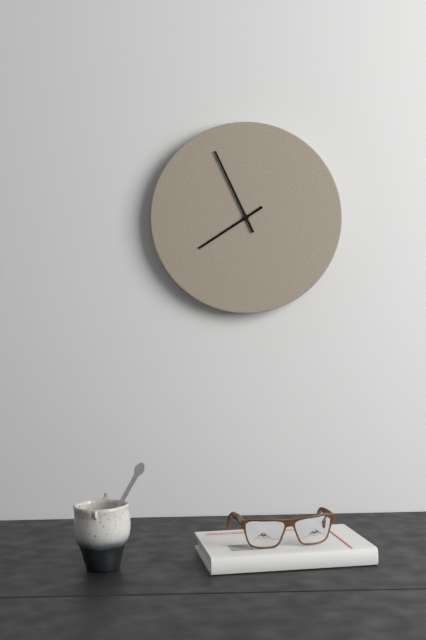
7:56
